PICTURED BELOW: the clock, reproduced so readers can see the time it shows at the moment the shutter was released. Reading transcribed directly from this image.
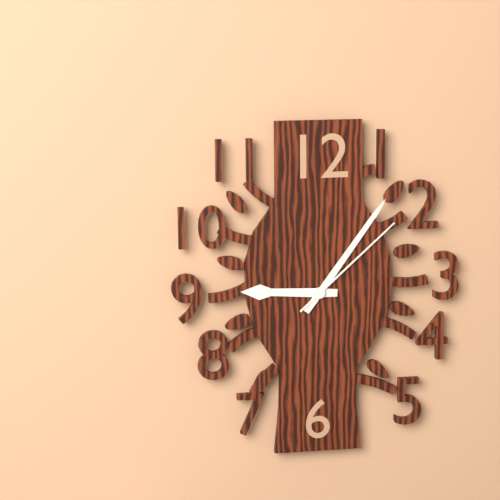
9:06:08
